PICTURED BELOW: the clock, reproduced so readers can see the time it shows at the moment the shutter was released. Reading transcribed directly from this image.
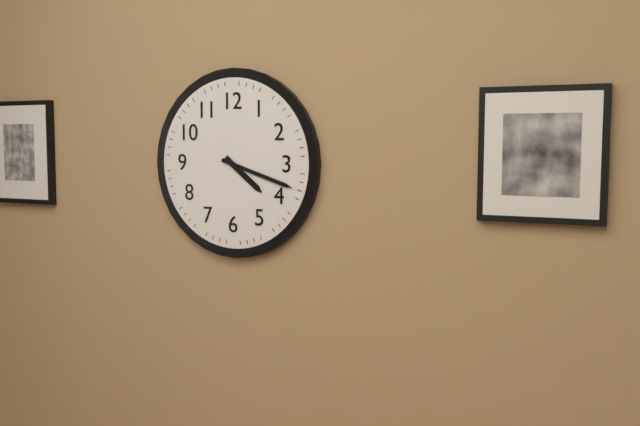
4:18
